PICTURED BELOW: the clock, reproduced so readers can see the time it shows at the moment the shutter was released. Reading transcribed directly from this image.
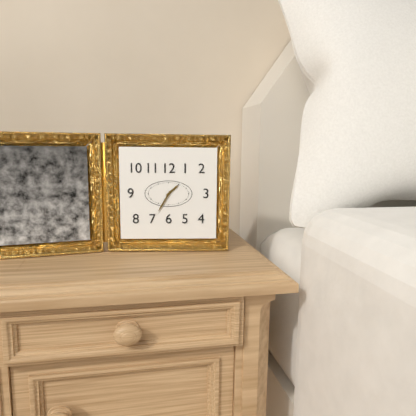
1:35
